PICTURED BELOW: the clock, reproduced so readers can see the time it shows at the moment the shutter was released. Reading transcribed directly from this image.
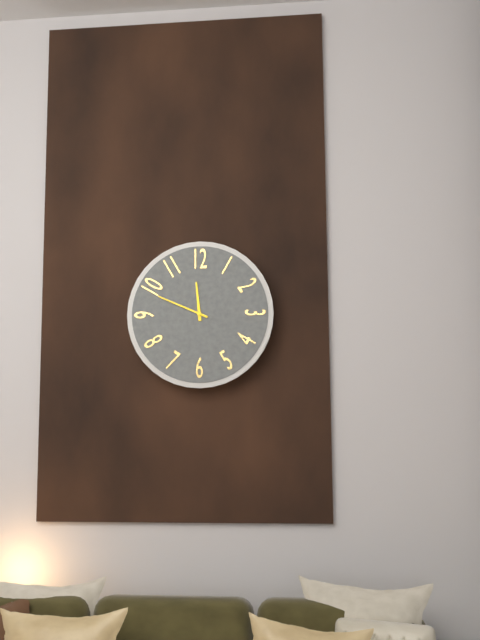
11:49
